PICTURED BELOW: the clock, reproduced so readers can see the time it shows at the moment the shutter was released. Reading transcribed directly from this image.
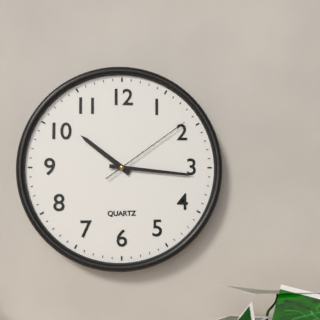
10:16:09
